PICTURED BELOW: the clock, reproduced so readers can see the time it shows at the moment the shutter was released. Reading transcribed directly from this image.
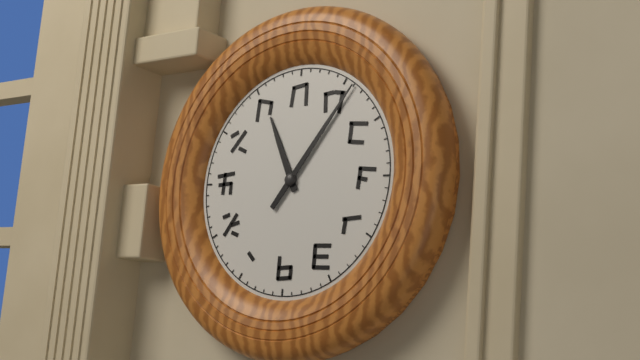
11:06
